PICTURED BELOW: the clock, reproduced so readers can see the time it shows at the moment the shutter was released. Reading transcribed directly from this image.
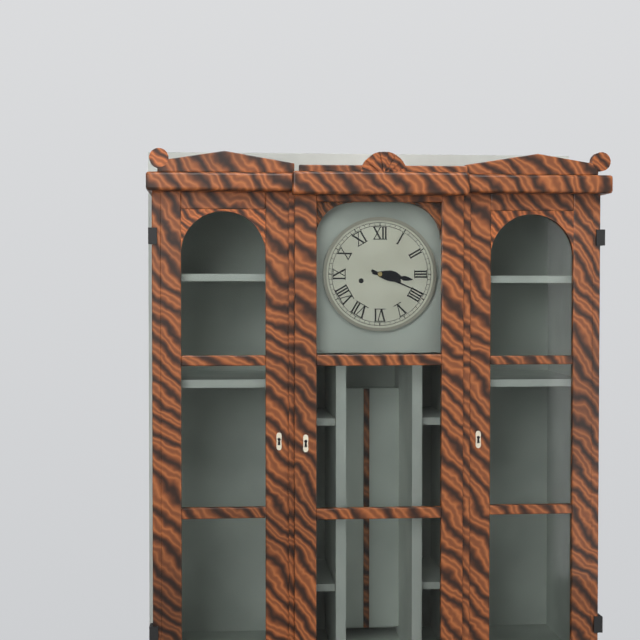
3:19
